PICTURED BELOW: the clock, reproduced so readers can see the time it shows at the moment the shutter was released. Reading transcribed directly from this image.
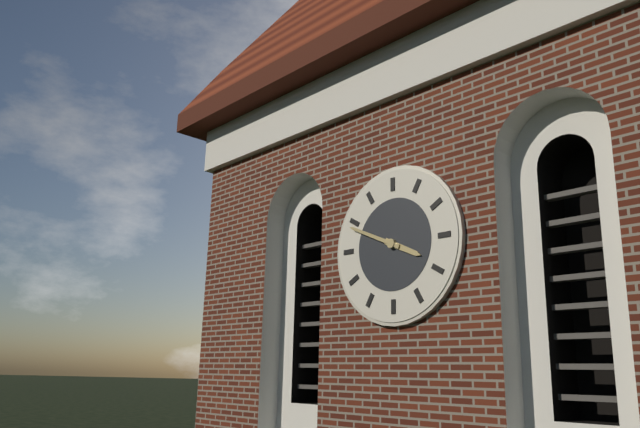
3:49
